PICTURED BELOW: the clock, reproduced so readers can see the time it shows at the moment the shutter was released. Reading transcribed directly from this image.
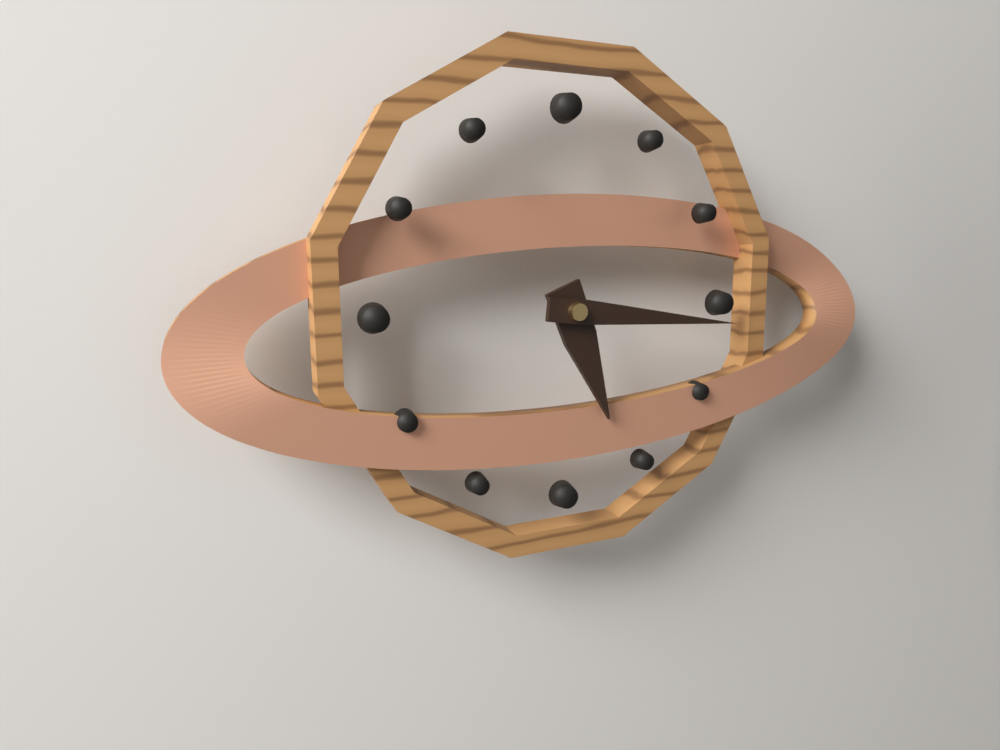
5:16
